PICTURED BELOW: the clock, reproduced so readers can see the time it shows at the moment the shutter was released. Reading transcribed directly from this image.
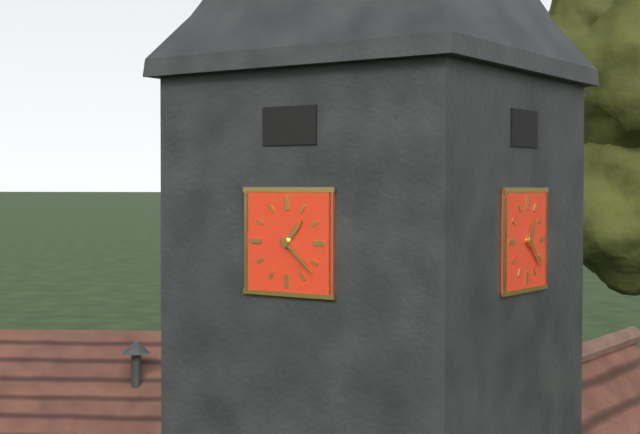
1:22
